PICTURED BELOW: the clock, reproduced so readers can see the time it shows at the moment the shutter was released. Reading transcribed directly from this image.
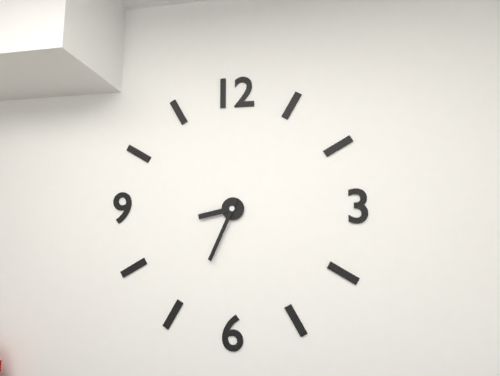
8:34
